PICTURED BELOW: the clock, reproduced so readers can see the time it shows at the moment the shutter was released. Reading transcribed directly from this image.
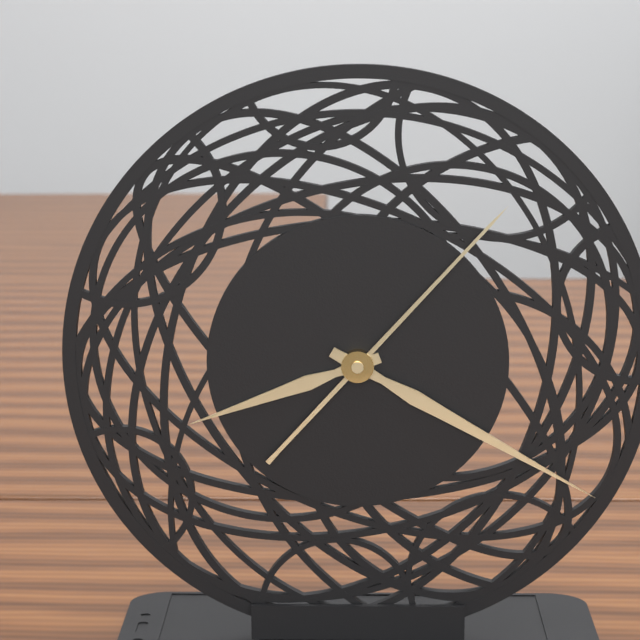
8:20:07
